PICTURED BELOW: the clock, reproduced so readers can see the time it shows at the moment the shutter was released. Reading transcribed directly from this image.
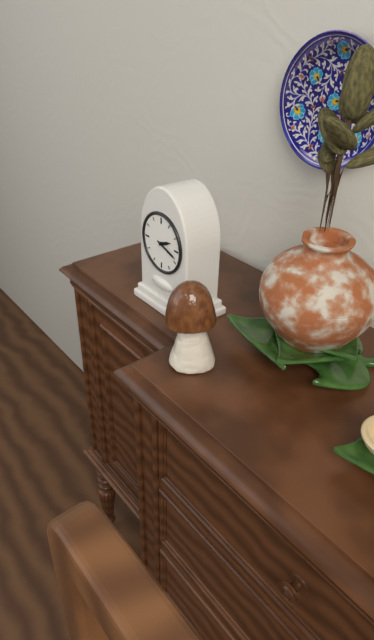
2:18
